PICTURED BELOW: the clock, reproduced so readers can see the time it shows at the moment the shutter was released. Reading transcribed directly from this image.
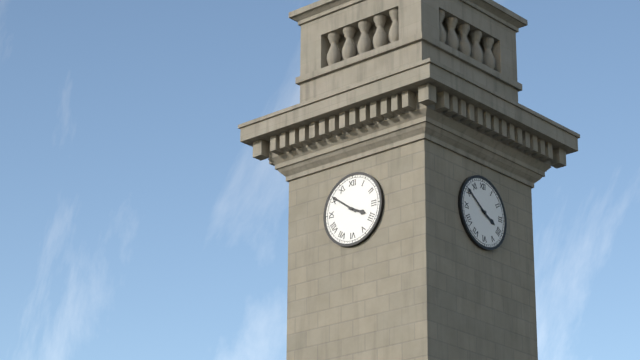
3:51
